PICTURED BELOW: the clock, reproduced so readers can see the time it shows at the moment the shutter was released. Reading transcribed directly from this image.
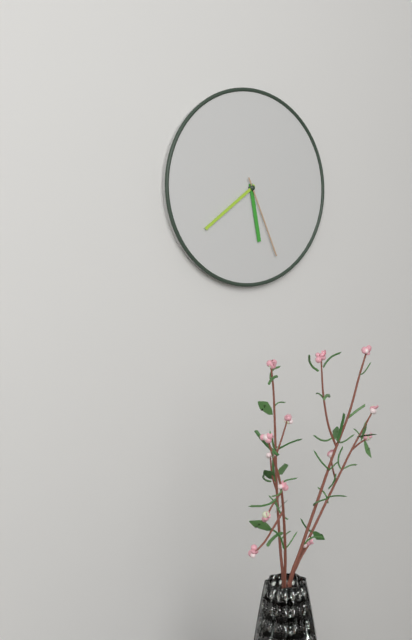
5:39:26
